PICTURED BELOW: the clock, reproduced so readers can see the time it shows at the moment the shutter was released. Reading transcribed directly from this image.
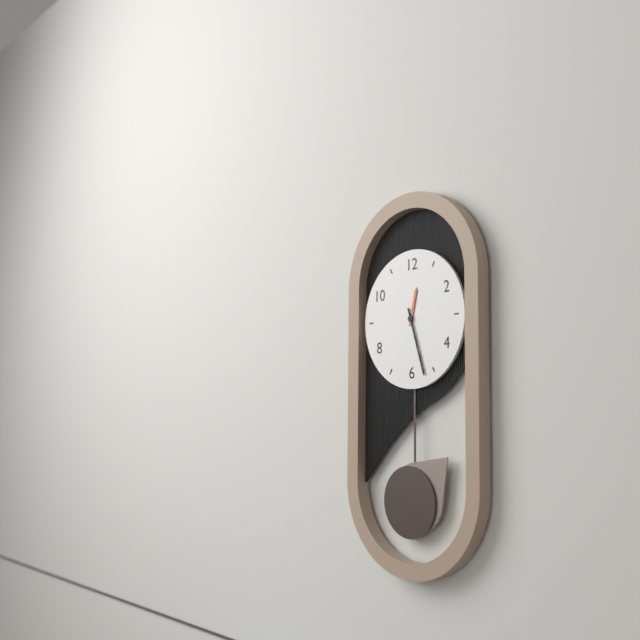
12:27
